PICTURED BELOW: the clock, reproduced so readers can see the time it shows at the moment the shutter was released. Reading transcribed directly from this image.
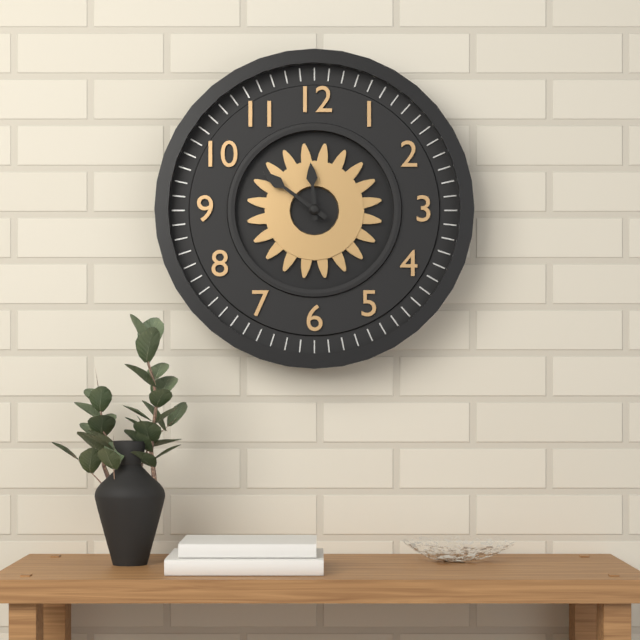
11:51
